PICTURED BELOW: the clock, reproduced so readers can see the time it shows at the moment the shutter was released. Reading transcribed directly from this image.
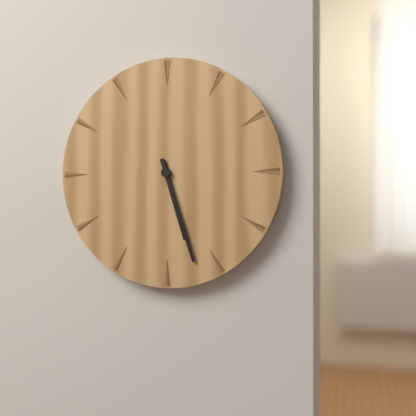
5:27
